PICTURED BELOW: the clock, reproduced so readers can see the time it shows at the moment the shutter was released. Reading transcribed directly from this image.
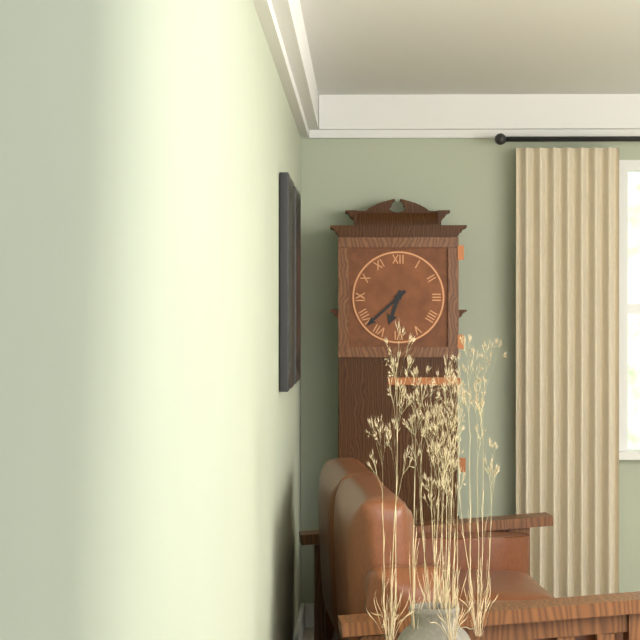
6:38
